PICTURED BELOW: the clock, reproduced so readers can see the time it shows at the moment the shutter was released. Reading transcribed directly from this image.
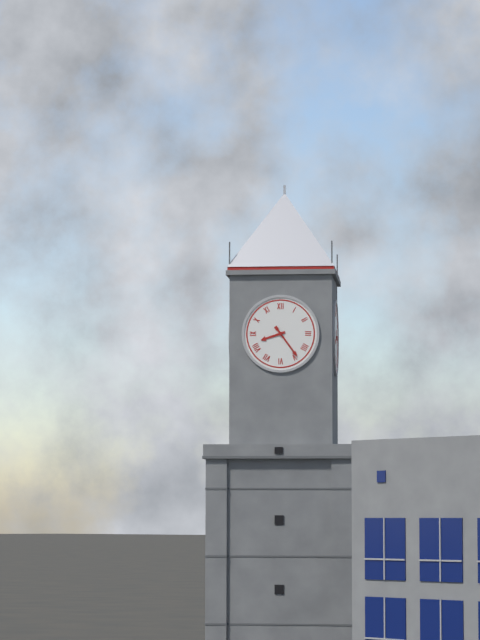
8:24
